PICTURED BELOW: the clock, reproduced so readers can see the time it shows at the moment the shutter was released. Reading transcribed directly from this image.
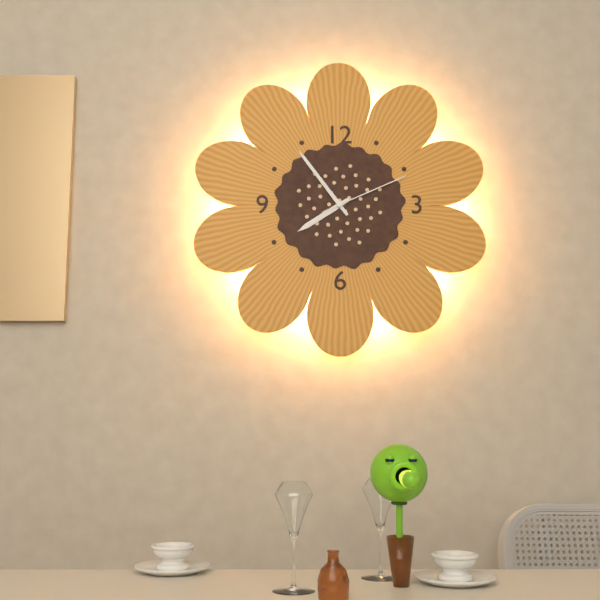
7:54:11
